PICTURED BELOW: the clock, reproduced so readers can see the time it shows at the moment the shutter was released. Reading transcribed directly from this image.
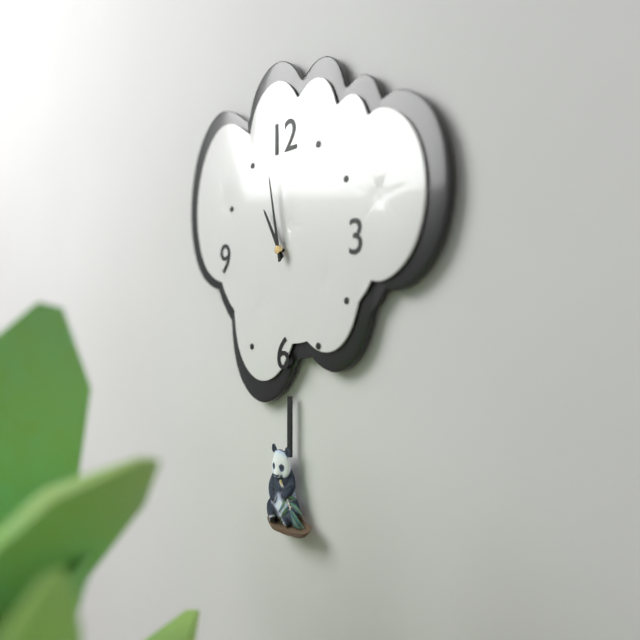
10:58
